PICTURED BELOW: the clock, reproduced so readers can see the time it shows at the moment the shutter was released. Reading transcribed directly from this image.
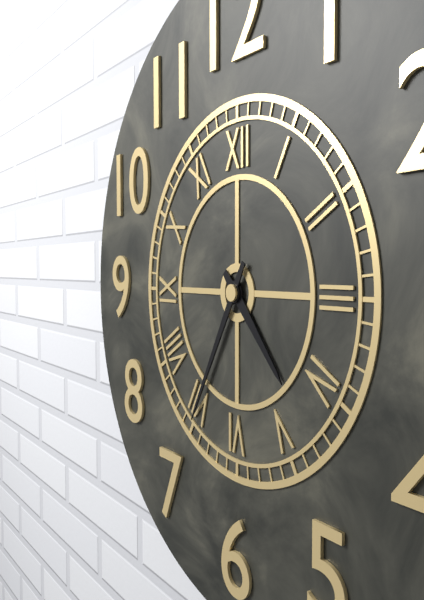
4:35
